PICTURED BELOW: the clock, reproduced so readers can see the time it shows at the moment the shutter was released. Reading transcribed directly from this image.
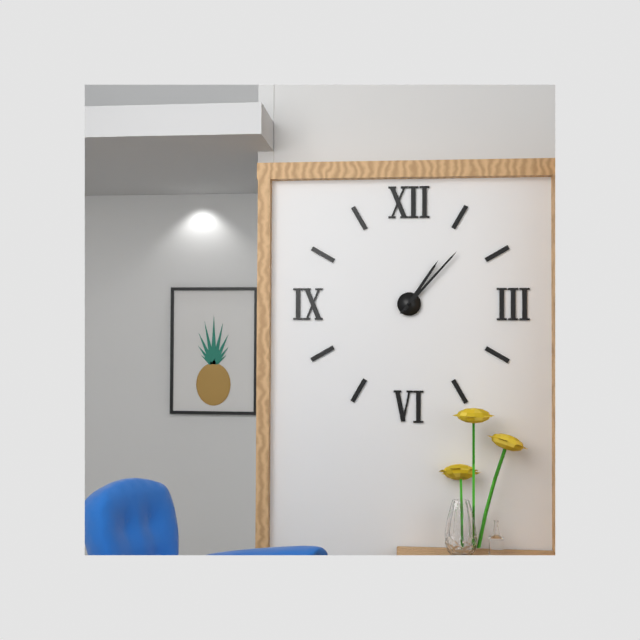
1:07
